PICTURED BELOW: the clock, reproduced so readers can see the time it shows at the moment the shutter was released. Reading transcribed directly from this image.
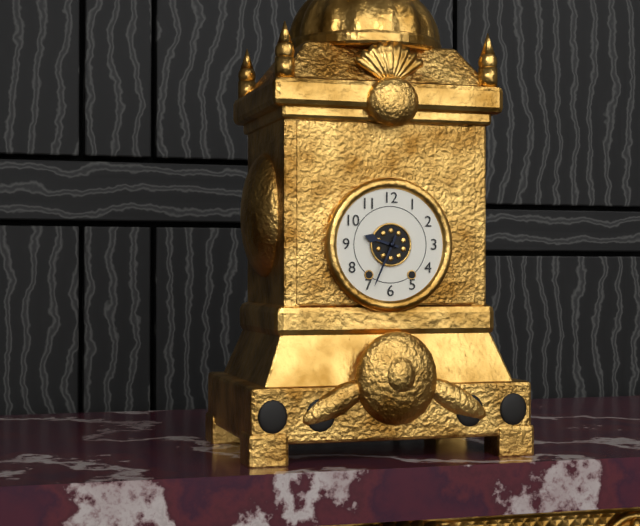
9:34
